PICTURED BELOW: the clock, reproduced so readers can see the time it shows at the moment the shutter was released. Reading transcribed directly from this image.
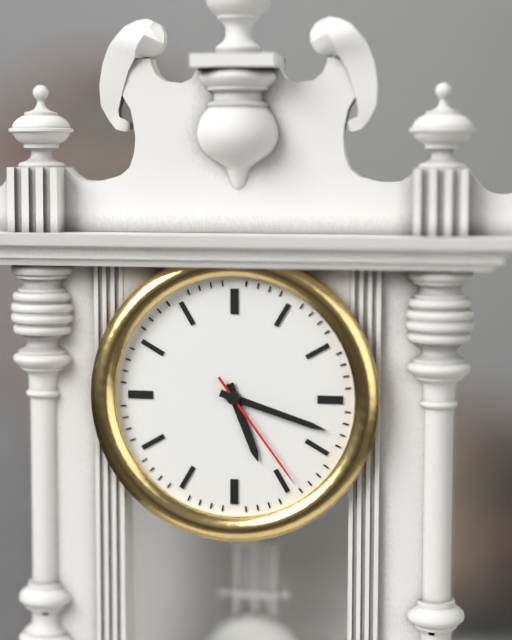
5:18:24
